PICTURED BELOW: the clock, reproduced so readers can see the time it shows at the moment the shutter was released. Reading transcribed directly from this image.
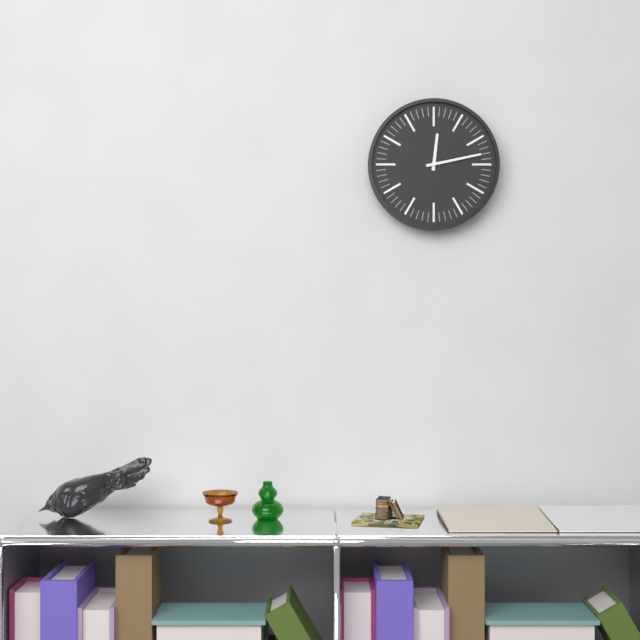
12:13
